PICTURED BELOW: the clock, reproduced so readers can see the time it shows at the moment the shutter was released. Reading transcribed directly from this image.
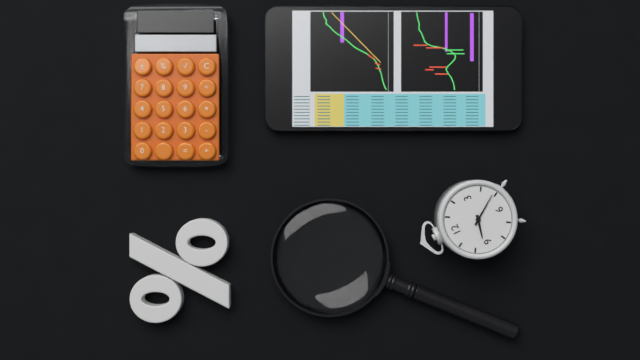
9:24
